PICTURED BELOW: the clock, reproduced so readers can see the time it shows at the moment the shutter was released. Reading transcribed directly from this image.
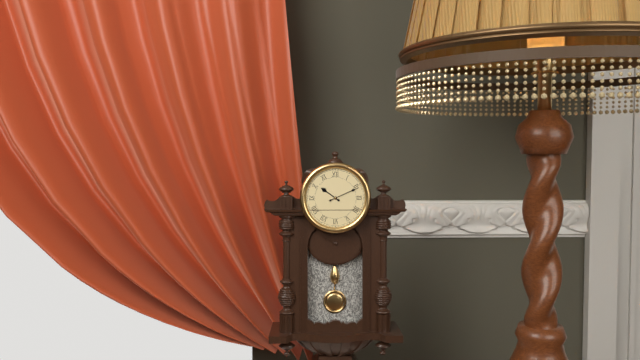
10:11
